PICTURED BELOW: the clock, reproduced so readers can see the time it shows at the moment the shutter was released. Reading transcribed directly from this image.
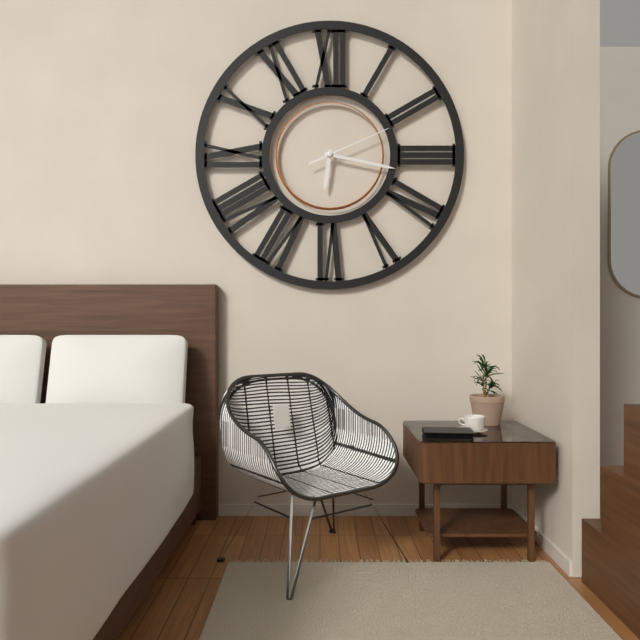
6:17:11
